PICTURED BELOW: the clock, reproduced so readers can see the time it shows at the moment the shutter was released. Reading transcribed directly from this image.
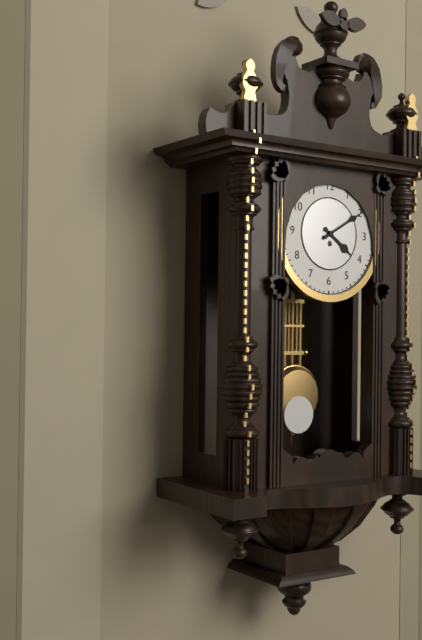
4:10
